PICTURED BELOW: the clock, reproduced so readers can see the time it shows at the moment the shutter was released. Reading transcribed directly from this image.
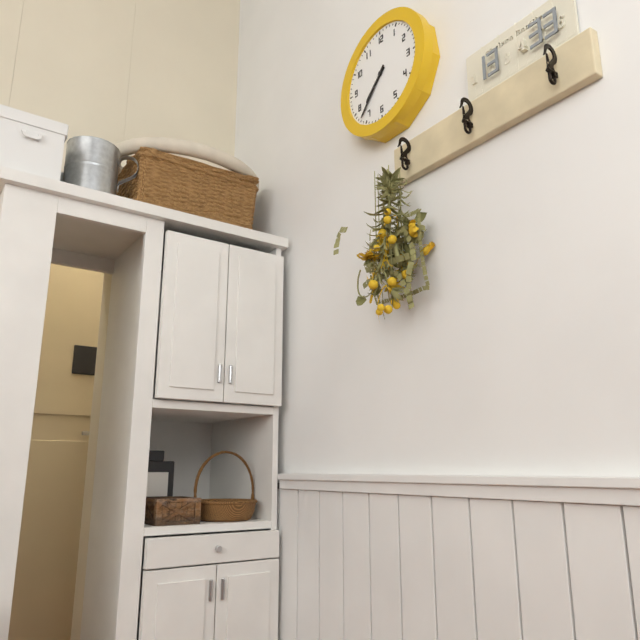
7:37
